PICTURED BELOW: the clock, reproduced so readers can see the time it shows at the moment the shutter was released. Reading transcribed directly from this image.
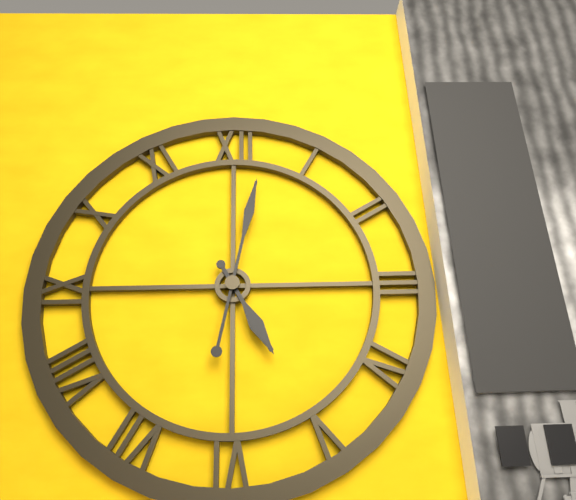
5:02
